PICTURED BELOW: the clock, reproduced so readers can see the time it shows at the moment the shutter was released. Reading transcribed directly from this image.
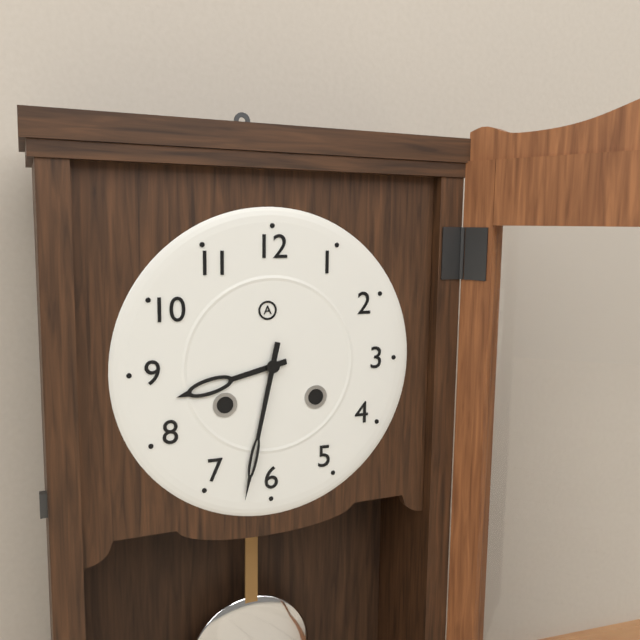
8:32
